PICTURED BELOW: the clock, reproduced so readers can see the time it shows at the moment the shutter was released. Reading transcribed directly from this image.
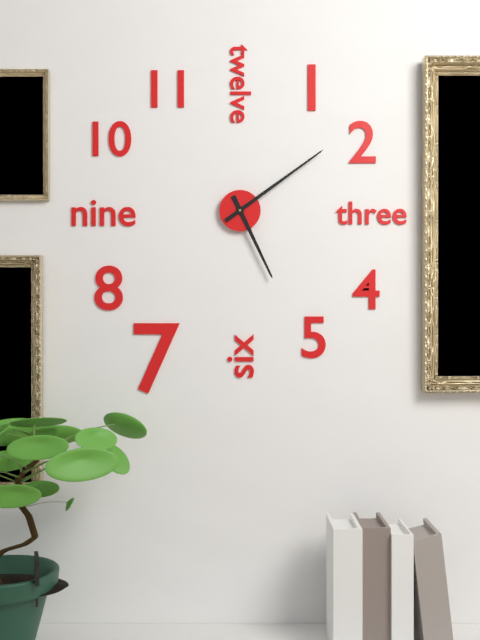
5:09
